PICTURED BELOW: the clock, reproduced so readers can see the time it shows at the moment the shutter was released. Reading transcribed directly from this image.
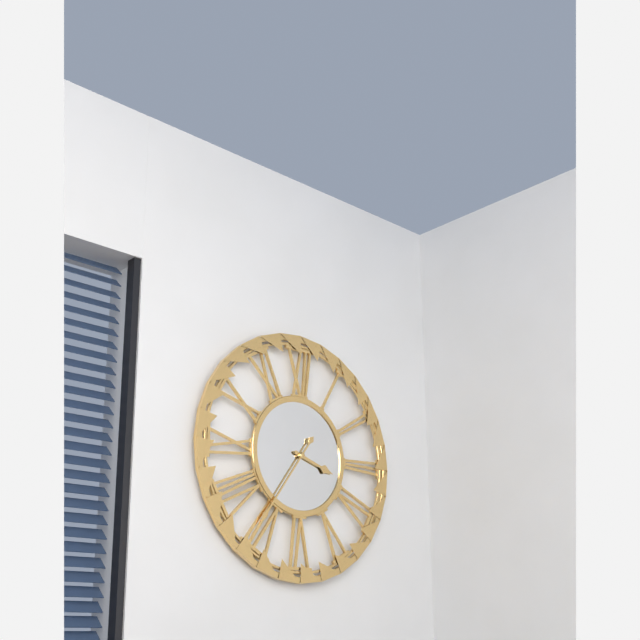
3:36
